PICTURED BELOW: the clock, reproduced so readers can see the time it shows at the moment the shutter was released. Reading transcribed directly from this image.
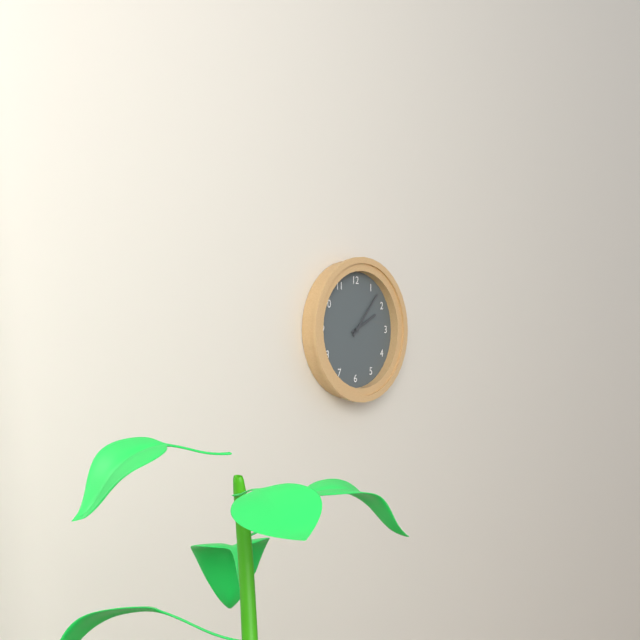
2:07
